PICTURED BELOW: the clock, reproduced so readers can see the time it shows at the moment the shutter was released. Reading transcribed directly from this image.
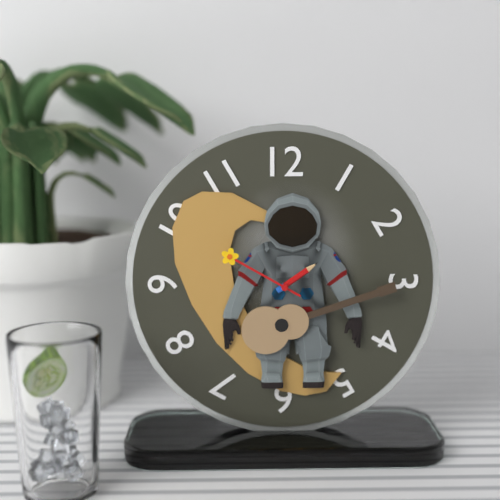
1:50
